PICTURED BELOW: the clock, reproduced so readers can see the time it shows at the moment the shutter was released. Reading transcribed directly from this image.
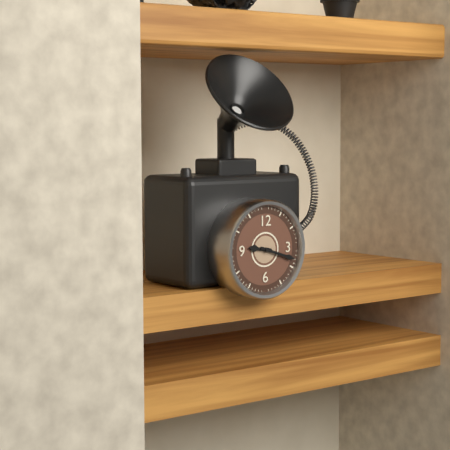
9:18
